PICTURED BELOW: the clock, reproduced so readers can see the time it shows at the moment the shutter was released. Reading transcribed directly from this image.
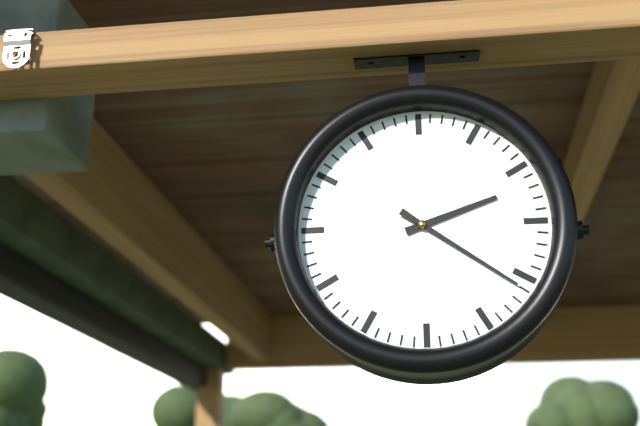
2:21
